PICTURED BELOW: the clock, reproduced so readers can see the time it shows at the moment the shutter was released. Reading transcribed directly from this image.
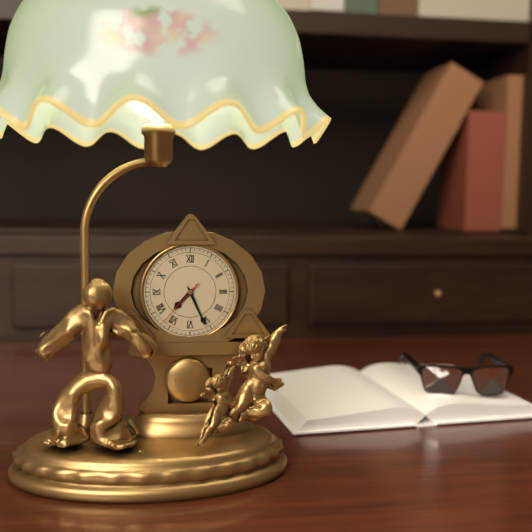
7:26:37
